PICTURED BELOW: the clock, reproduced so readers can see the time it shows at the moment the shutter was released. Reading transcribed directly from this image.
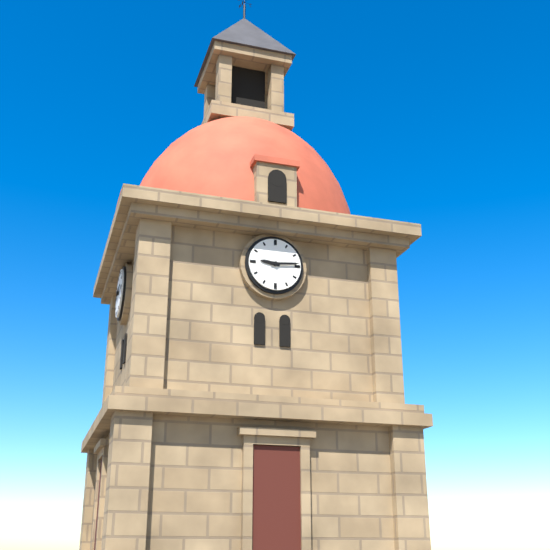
9:14
